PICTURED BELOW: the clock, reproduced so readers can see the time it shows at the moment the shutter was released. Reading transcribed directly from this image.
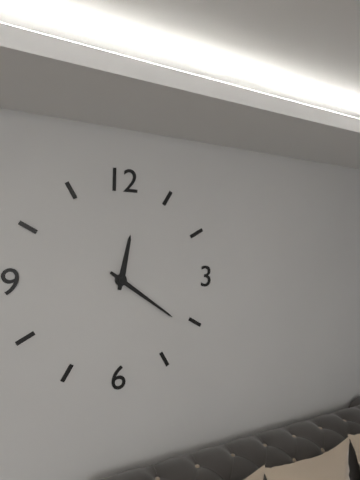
12:21
